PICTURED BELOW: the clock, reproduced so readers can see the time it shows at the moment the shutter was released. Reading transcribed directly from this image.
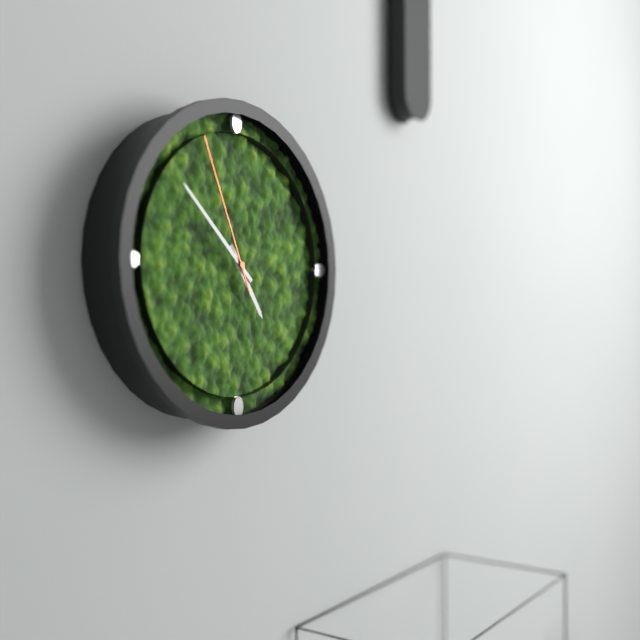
4:52:56
